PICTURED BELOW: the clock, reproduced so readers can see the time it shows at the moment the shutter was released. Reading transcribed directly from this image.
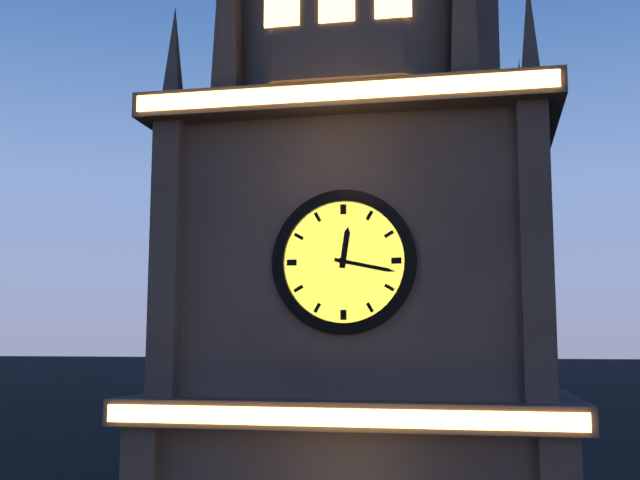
12:17
